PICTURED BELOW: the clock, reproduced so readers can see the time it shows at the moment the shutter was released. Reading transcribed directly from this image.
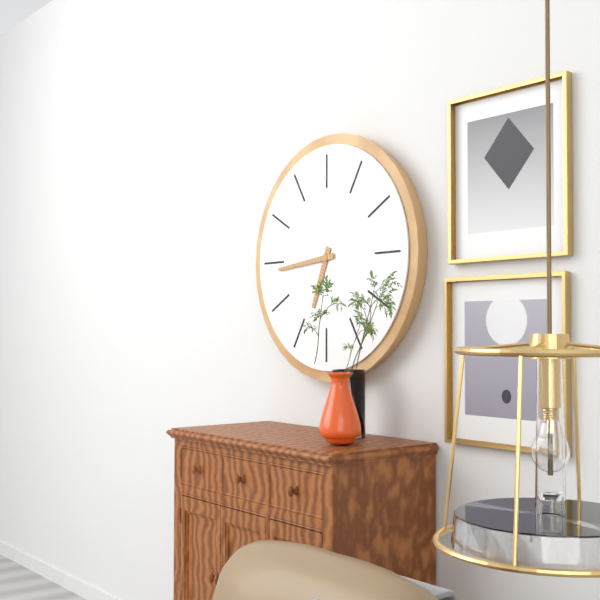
6:44
